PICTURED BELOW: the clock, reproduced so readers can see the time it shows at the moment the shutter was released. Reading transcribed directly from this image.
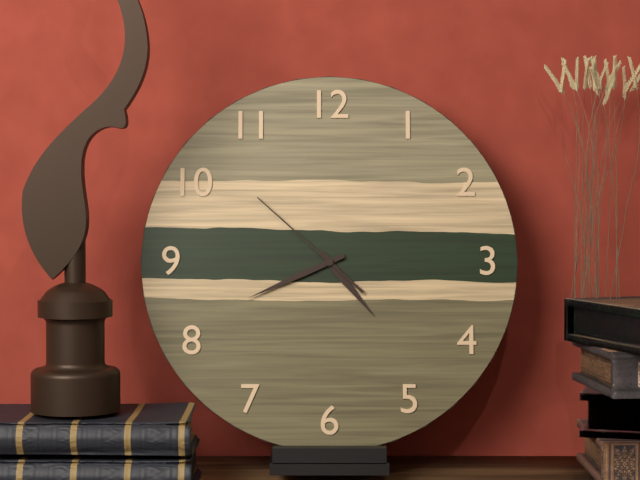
4:41:52
